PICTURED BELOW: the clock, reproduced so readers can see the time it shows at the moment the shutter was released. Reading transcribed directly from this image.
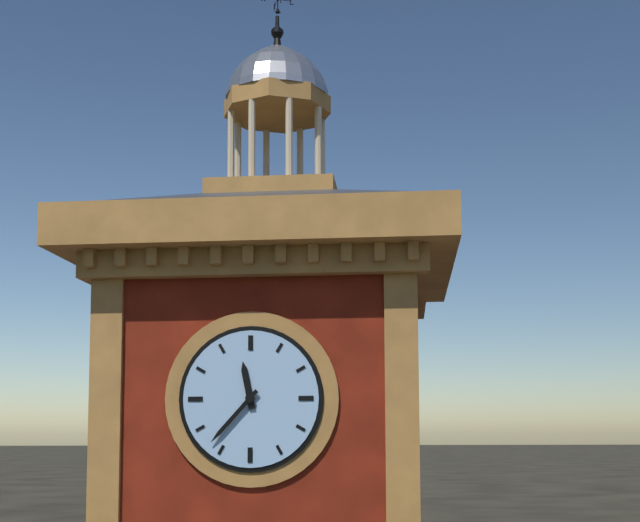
11:37
